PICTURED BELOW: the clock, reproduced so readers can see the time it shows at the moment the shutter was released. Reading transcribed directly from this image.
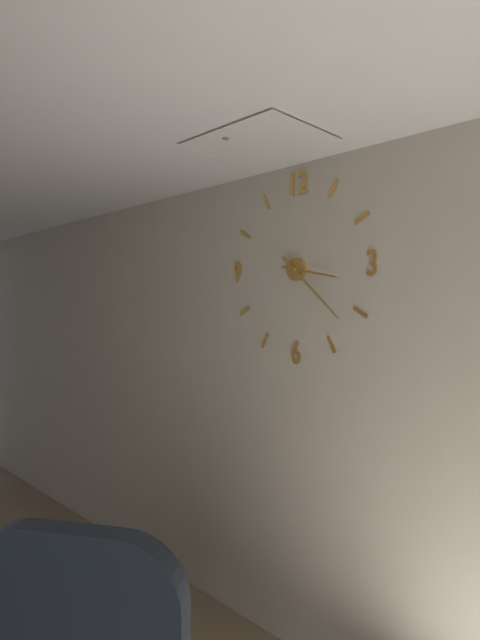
3:22
